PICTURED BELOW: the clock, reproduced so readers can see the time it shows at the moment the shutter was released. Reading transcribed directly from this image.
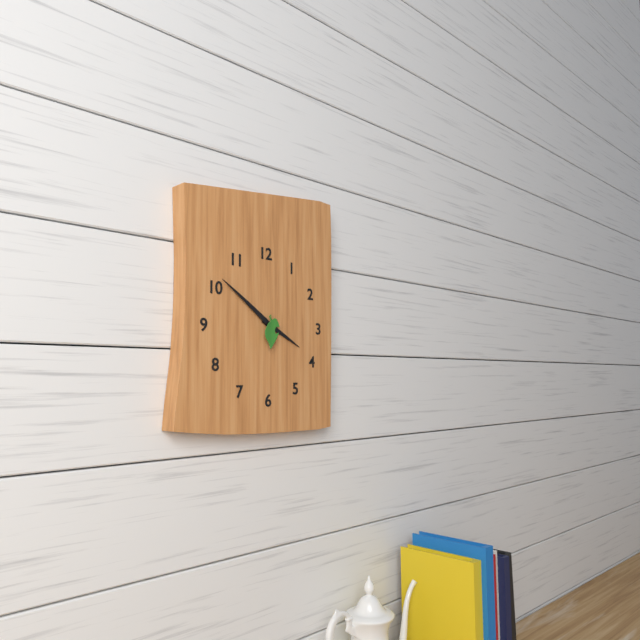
3:51
